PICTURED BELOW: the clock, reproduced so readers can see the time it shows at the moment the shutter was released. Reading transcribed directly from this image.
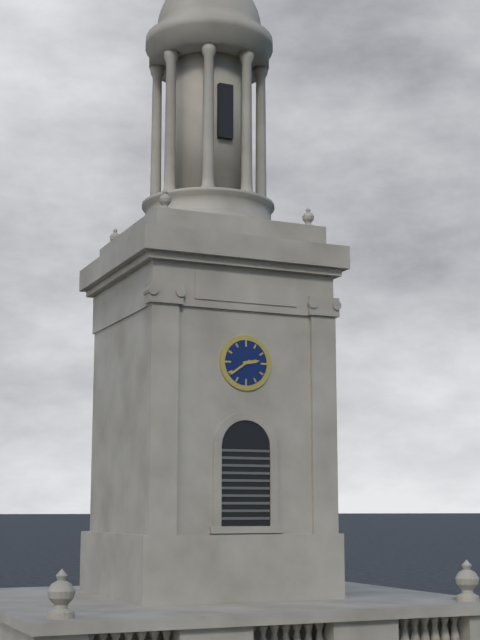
2:39
